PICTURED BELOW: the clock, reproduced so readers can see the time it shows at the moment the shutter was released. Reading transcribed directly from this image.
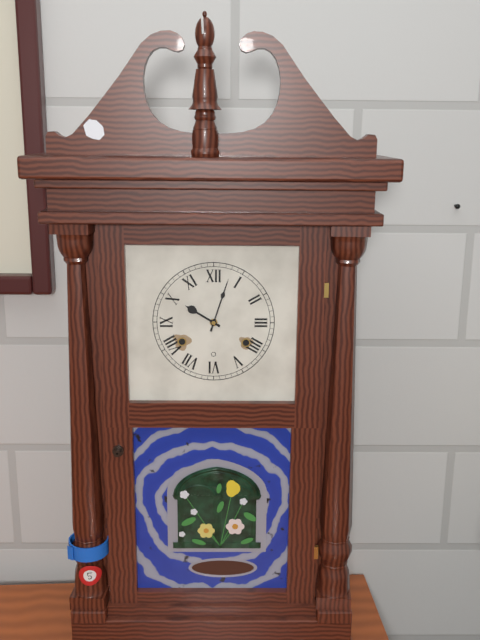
10:03
